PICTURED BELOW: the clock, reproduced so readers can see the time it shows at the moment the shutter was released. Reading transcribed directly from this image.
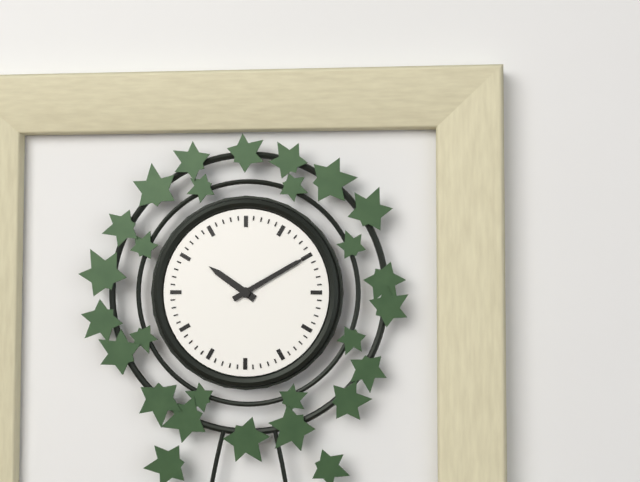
10:10
